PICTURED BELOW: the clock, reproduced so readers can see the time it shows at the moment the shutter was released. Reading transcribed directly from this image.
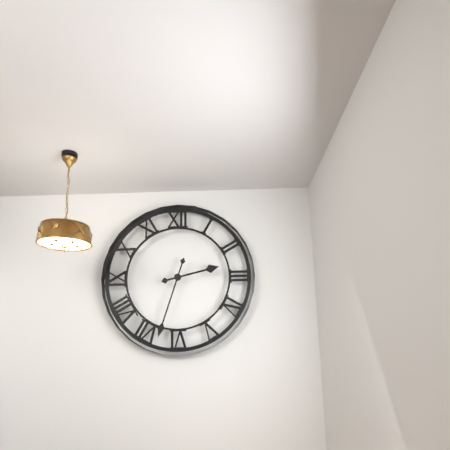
2:33
